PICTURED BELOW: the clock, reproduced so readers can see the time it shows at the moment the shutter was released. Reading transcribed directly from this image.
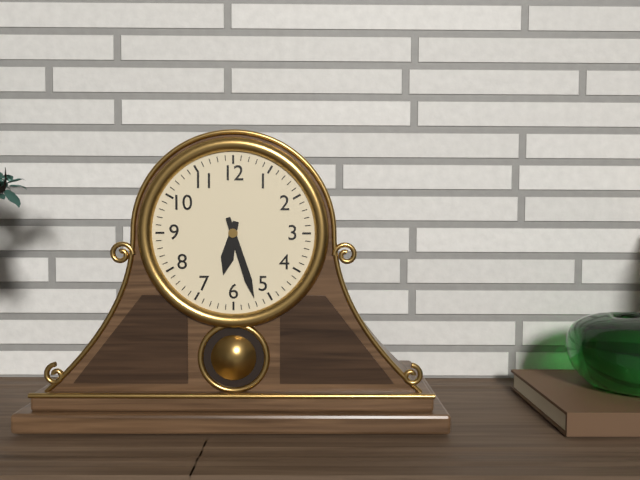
6:27
